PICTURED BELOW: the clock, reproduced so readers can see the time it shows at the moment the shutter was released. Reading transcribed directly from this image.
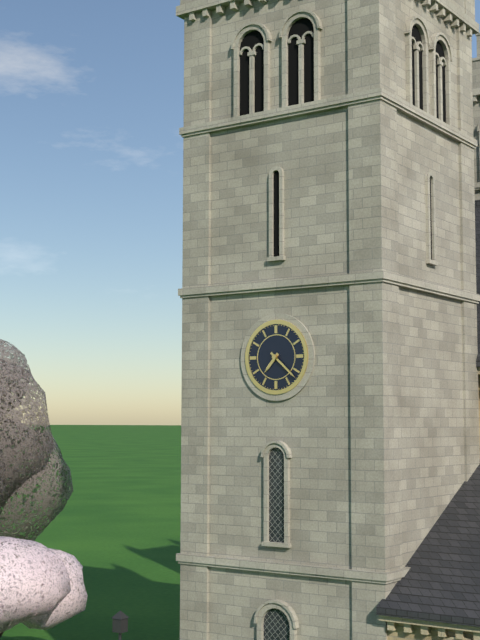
7:22
